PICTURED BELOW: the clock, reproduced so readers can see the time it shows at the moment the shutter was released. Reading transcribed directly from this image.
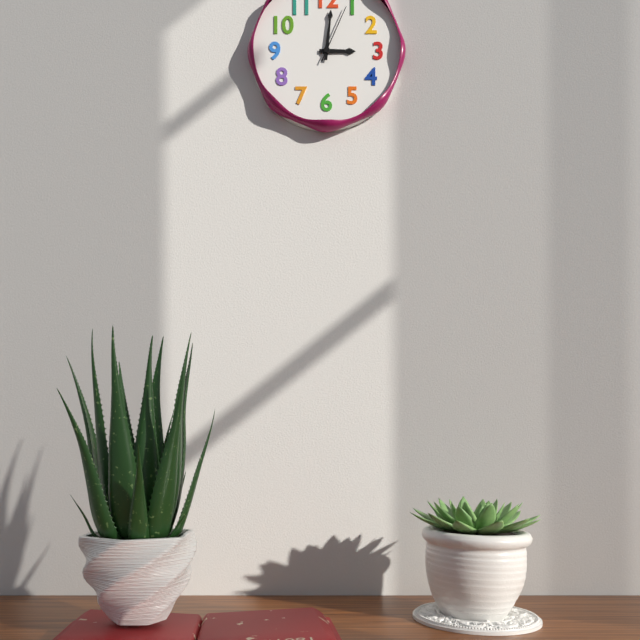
3:01:04
